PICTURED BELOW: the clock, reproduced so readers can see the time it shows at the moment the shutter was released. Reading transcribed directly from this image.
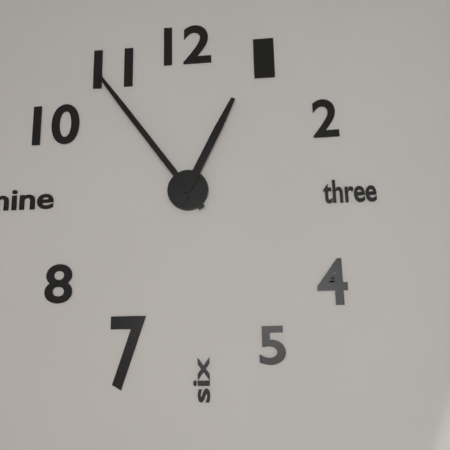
12:54
